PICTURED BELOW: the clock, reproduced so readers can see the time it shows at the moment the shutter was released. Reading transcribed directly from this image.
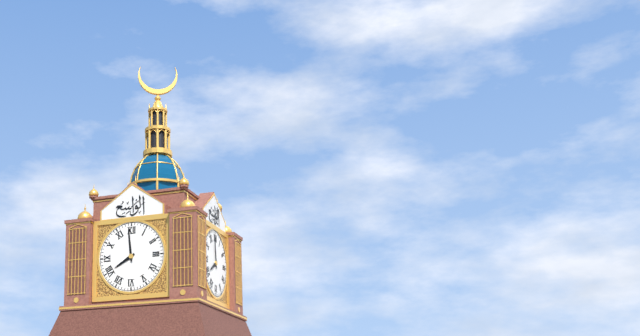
7:59
